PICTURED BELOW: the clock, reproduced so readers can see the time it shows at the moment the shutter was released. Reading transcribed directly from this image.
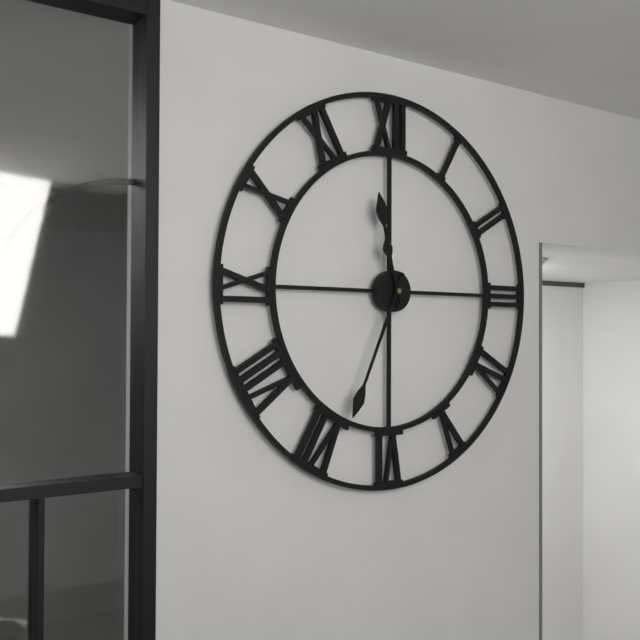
11:34:57
